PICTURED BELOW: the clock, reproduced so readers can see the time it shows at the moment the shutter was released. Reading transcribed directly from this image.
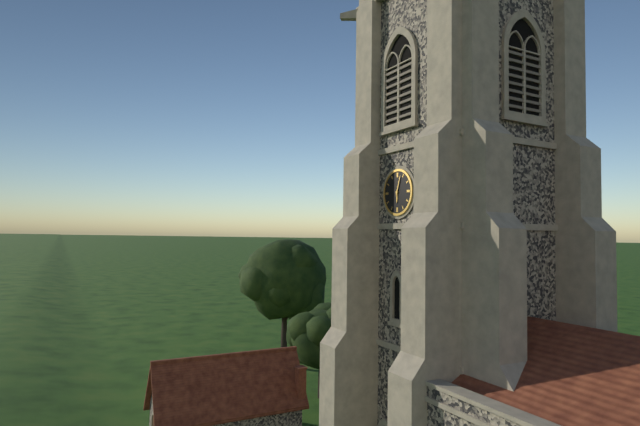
6:03
